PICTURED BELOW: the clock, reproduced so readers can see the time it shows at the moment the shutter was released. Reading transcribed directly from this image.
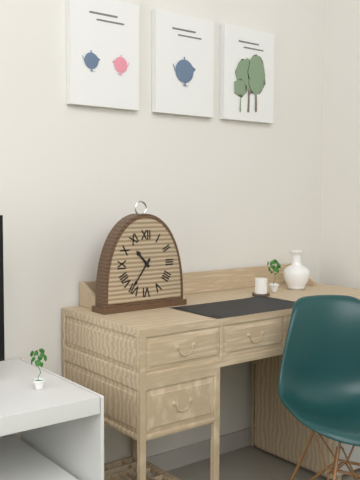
10:36
